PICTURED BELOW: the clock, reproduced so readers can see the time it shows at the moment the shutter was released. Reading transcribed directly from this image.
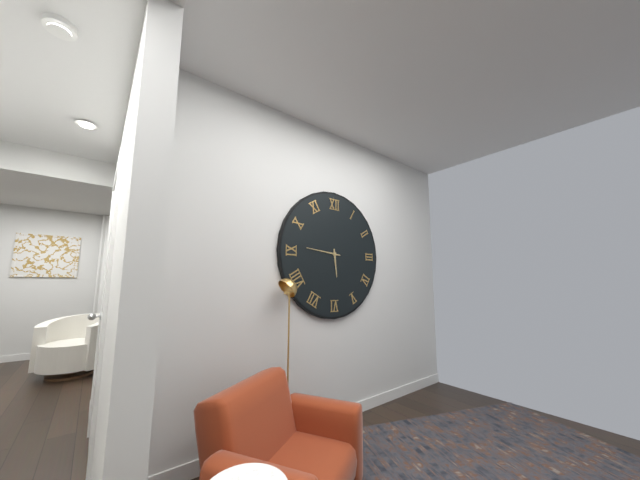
5:46
